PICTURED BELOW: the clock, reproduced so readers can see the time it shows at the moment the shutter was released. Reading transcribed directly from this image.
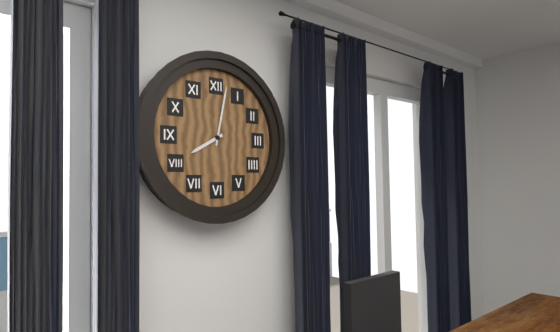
8:02
